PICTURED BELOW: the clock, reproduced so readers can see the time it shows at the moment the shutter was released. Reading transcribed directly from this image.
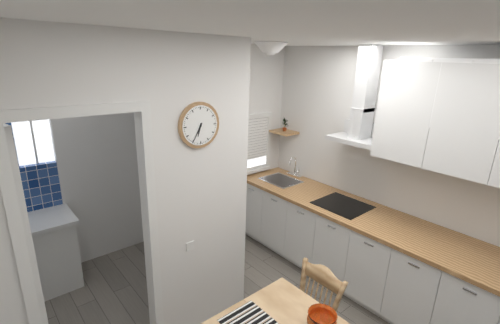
6:35
